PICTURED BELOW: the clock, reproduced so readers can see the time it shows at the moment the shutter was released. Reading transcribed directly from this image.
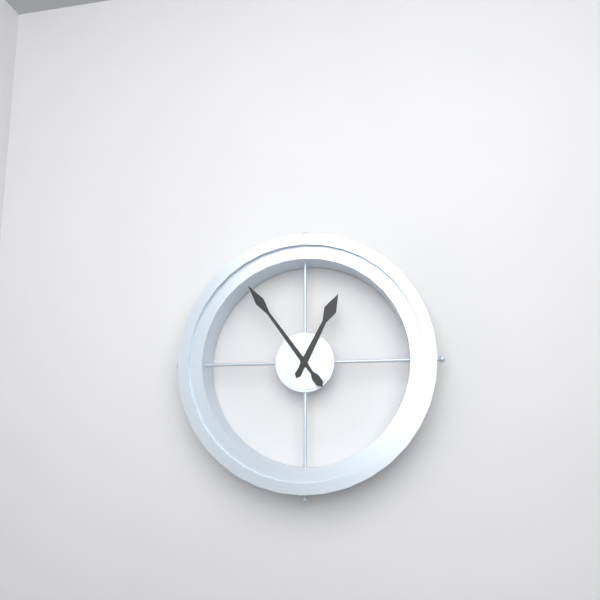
12:54
